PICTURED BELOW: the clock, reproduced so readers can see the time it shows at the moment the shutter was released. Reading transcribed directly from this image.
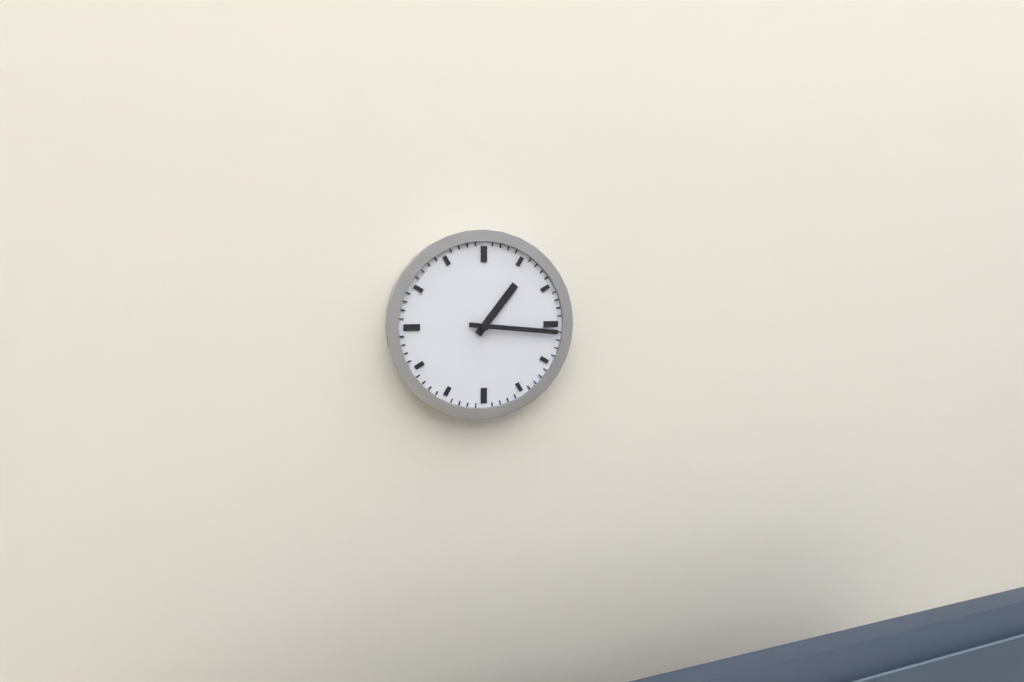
1:16
